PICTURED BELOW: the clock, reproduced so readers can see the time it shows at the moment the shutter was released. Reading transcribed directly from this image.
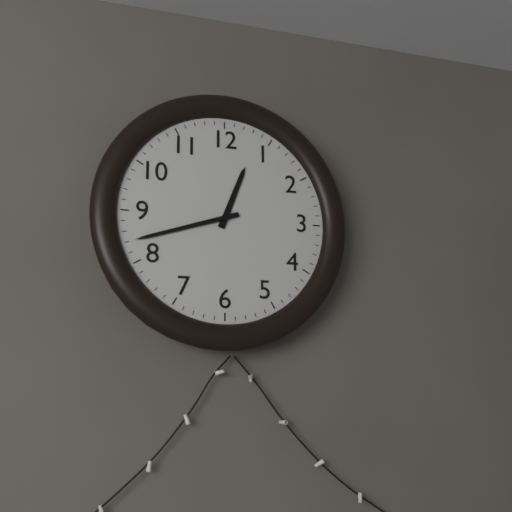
12:42
